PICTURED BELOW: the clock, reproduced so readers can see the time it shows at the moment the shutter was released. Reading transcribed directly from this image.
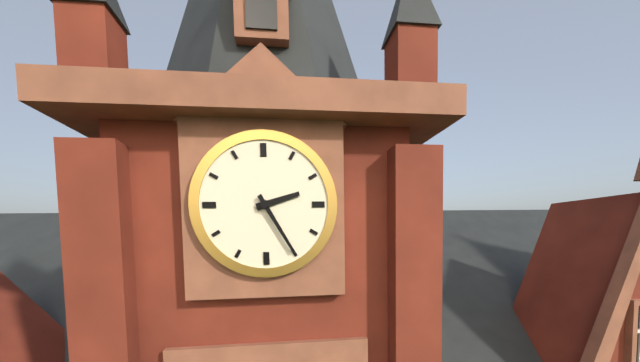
2:25
